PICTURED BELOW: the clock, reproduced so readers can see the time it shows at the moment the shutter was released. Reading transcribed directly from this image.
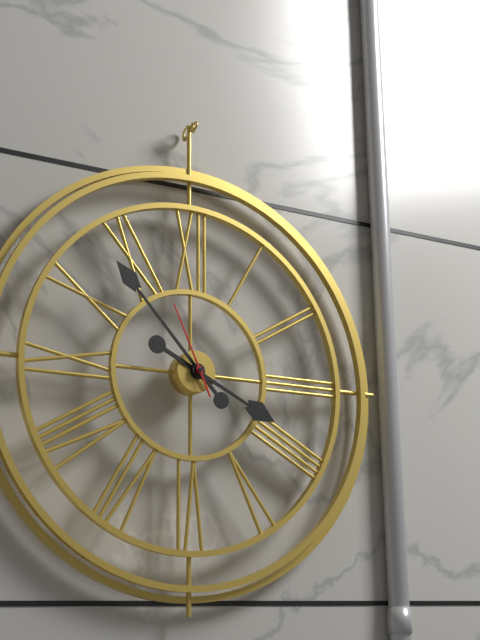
3:53:56
